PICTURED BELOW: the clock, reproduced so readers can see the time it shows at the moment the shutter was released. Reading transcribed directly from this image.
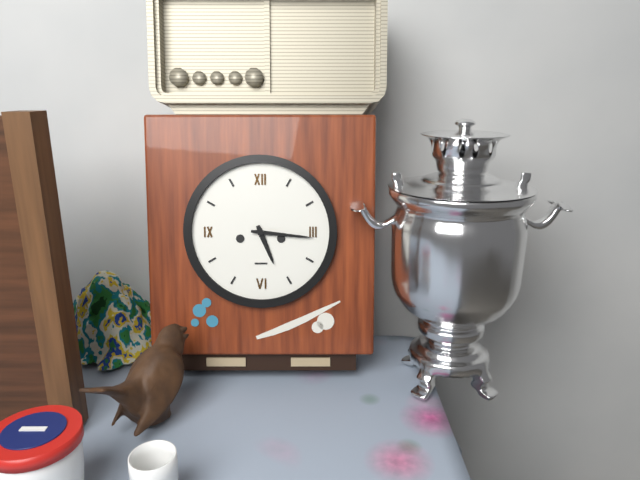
5:16
